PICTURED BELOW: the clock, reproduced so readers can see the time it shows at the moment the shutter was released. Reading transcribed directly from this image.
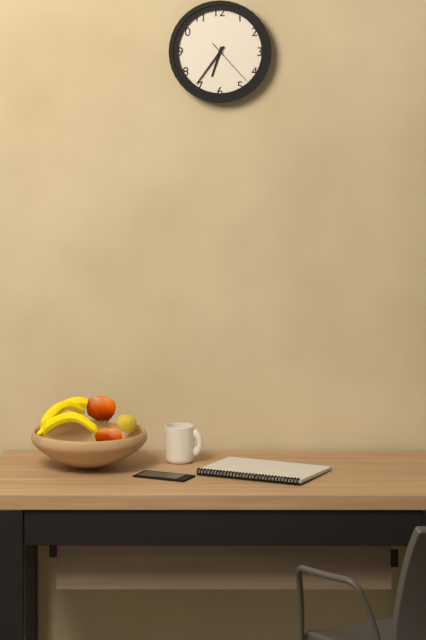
6:36
